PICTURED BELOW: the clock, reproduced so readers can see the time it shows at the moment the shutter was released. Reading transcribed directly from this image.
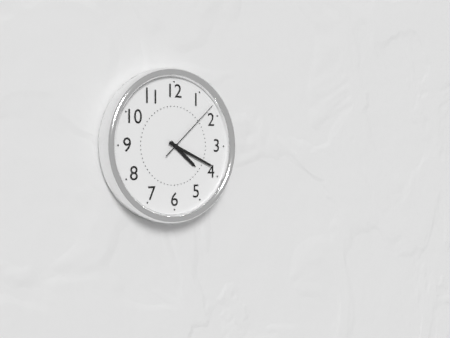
4:19:08
